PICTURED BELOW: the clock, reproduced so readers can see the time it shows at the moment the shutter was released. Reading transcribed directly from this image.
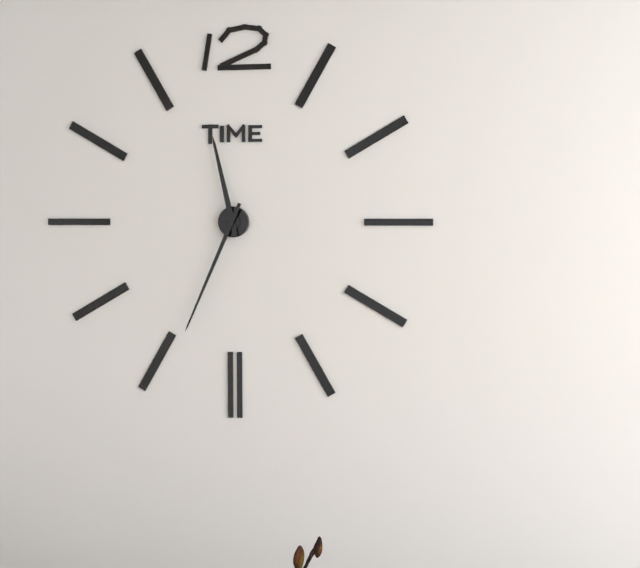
11:34
